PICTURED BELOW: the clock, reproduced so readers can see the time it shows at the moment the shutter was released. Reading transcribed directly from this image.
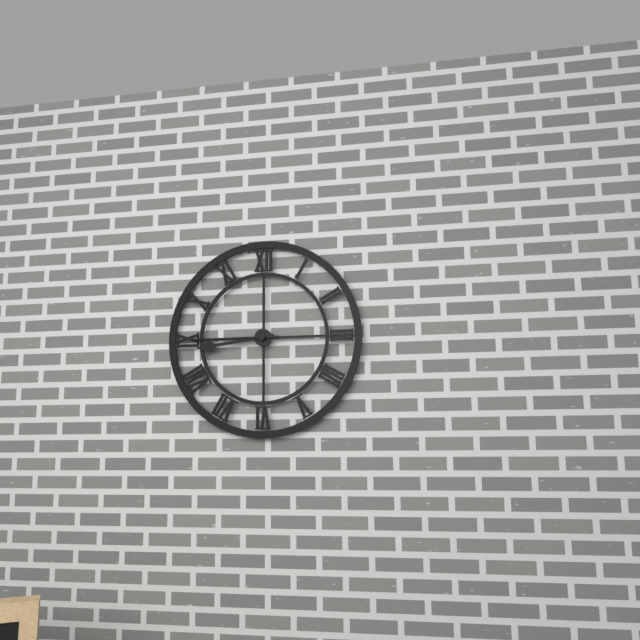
8:45
